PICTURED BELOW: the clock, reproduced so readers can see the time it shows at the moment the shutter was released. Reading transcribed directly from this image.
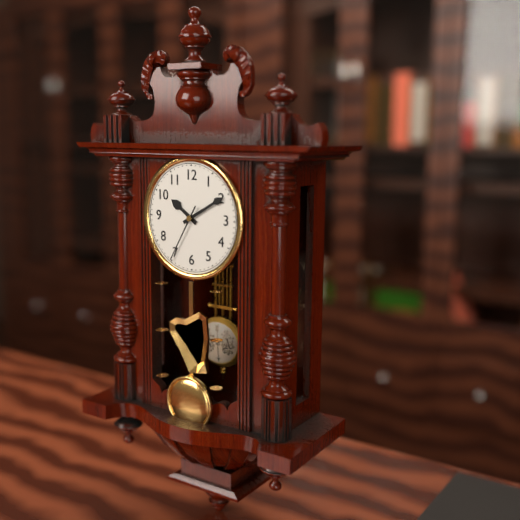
10:10:35
